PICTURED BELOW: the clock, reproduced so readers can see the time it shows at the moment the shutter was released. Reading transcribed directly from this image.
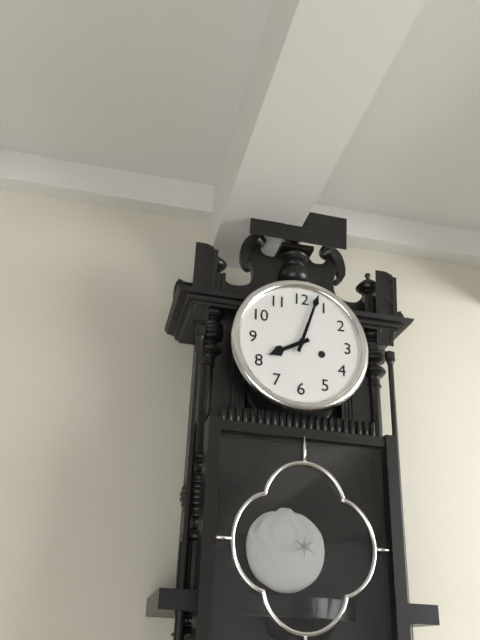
8:03
